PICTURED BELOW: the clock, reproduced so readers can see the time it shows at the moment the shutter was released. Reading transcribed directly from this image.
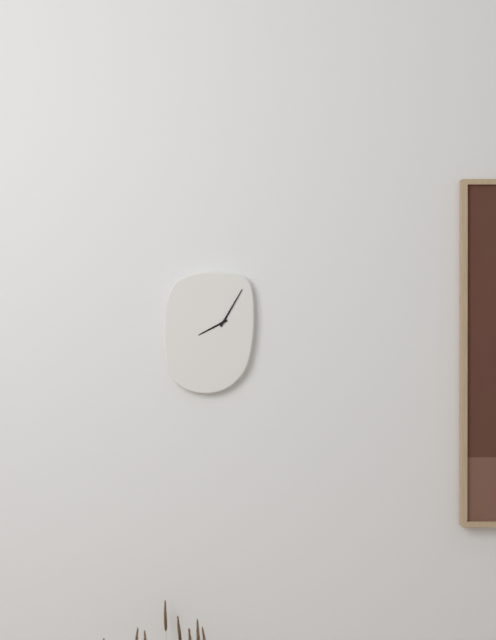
8:05
